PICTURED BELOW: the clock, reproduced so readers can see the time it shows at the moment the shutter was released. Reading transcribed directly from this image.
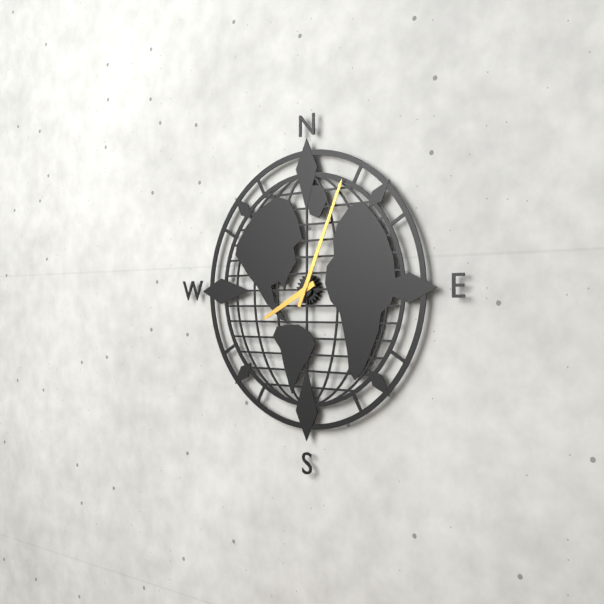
8:04
